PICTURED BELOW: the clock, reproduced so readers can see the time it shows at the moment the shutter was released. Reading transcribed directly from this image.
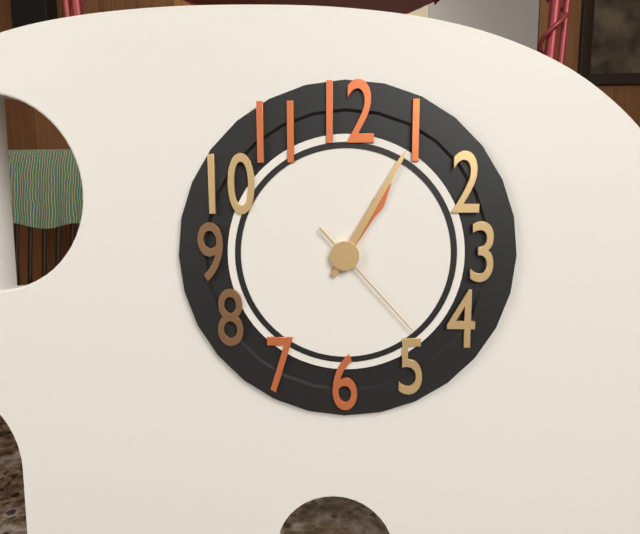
1:05:23
